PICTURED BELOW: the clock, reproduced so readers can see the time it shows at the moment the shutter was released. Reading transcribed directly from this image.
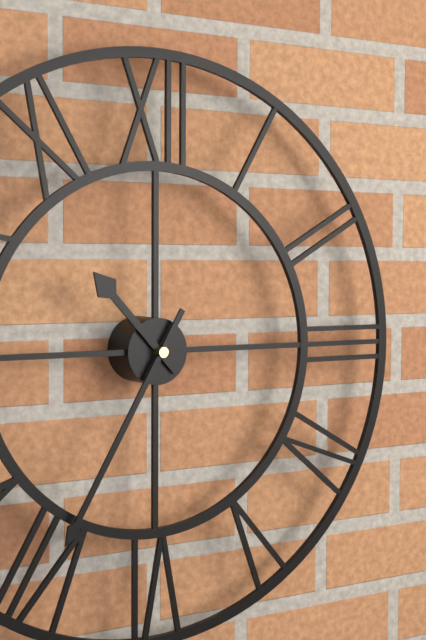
10:35
